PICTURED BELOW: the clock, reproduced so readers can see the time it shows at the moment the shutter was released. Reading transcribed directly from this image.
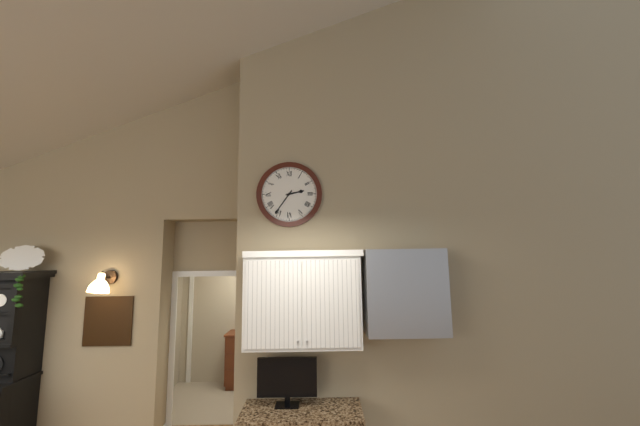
2:36
